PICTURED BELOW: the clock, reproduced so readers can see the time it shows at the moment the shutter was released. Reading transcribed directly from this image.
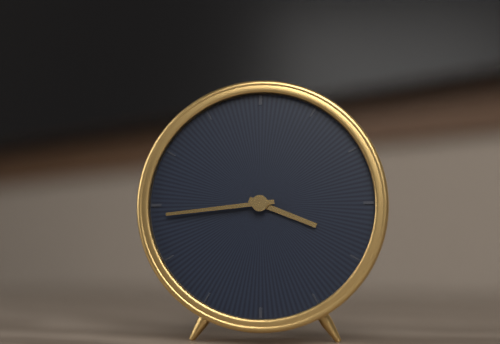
3:44
